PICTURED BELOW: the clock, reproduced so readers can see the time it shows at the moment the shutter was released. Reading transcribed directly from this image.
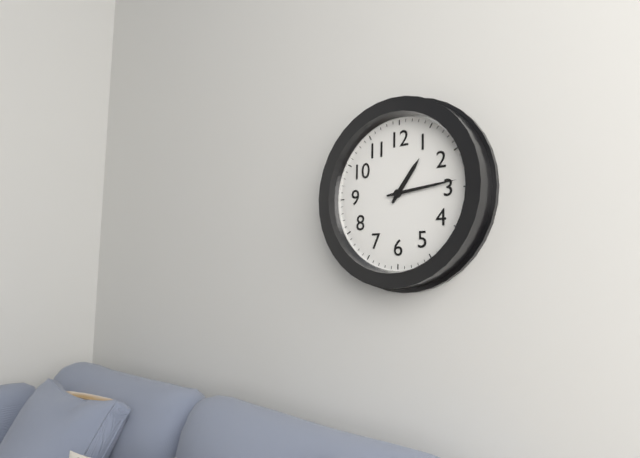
1:14
